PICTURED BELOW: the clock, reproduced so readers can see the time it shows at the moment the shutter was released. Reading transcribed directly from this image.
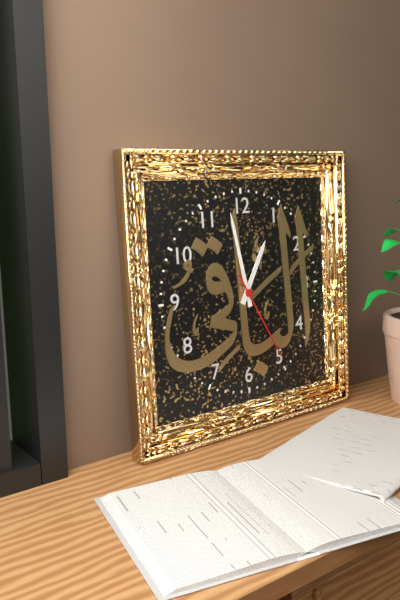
12:58:25
